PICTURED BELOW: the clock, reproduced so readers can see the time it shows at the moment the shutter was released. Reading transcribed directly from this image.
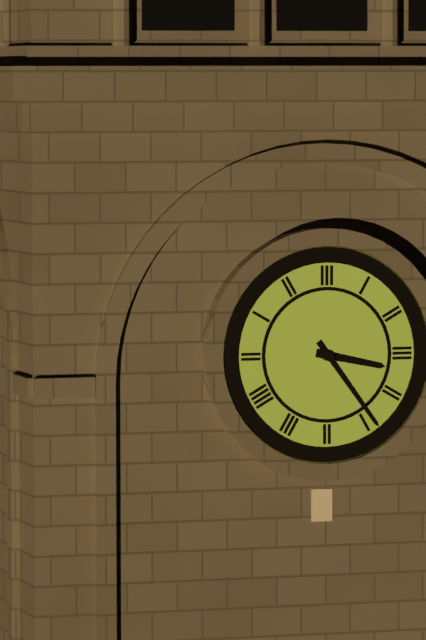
3:24
